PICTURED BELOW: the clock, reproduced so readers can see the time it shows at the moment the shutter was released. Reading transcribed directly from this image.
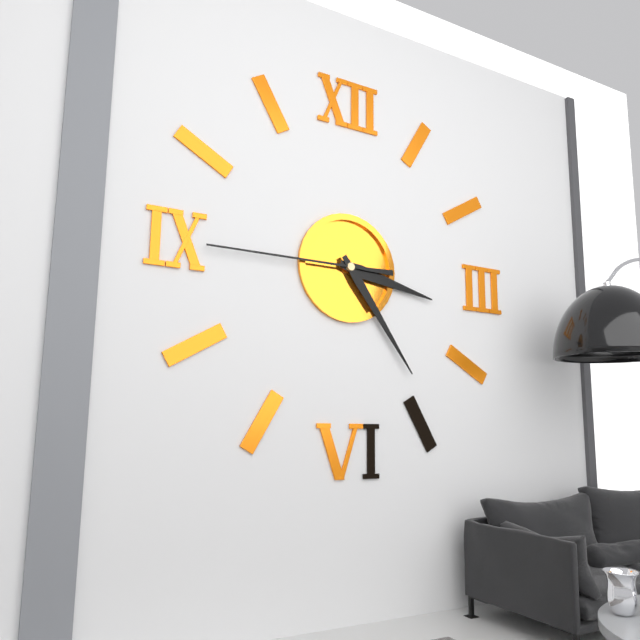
3:24:45
